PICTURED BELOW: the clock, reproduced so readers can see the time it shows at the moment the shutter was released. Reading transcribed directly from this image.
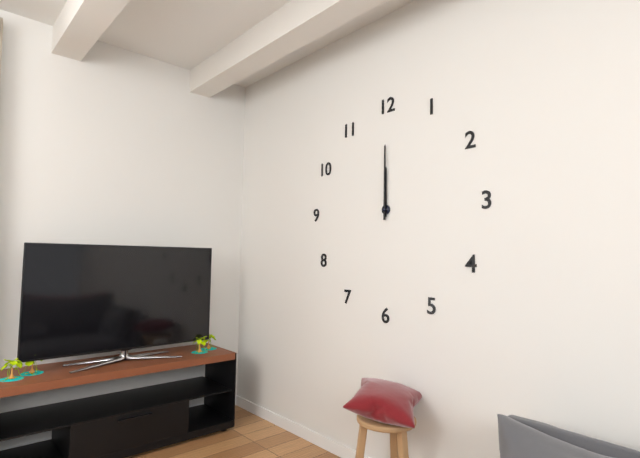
12:00
